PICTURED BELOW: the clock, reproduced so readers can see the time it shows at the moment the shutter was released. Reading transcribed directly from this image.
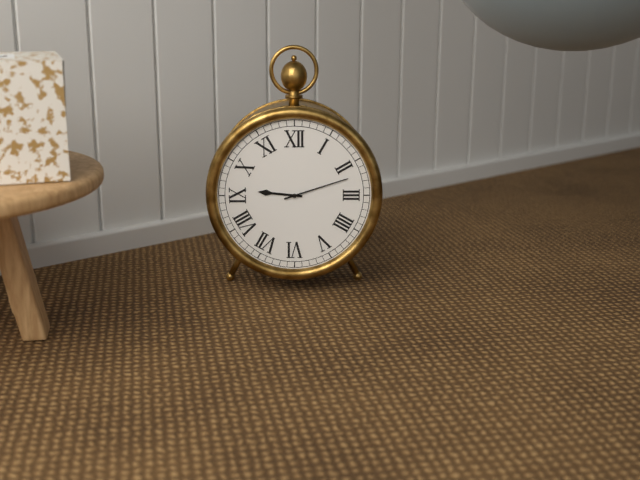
9:12
